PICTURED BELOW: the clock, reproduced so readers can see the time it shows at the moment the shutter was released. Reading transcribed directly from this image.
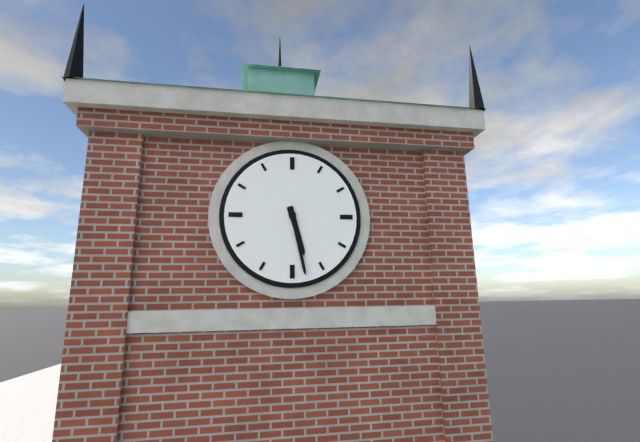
5:28
